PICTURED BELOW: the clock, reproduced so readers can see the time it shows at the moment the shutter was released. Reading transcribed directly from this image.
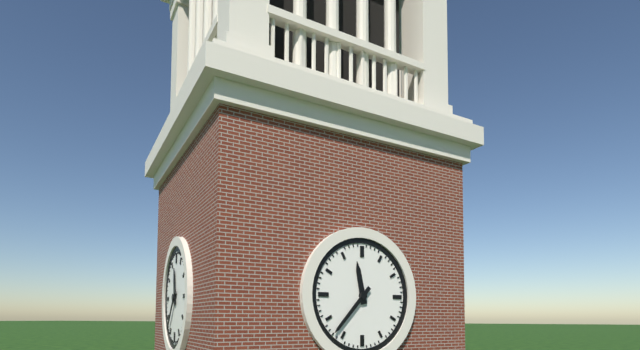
11:37
